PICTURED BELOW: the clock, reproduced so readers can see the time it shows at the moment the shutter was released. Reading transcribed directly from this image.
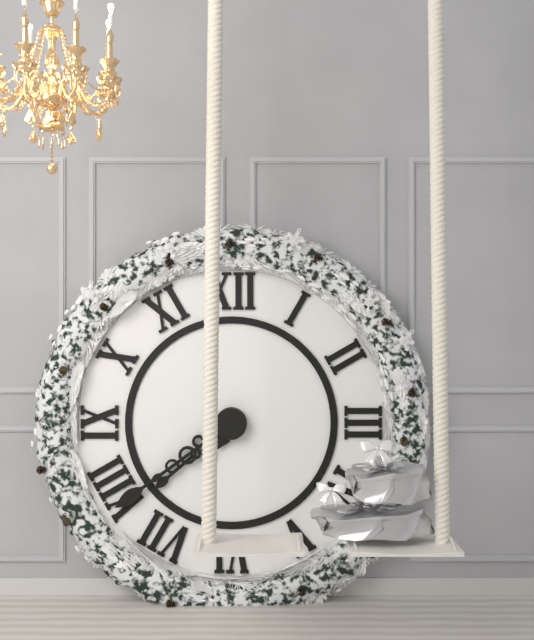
7:39
